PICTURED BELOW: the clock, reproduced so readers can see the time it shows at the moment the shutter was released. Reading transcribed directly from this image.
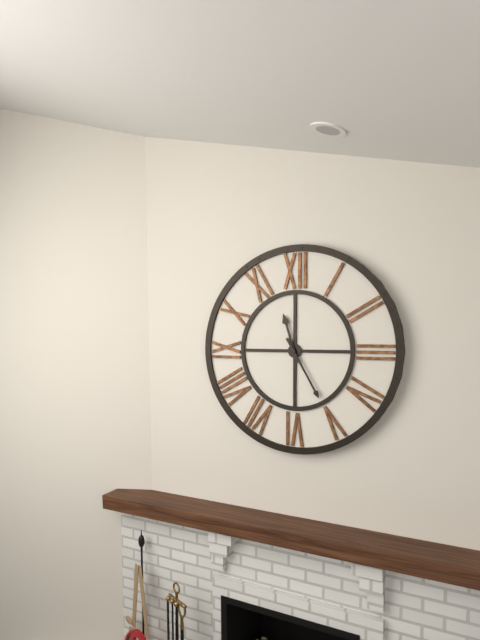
11:25
